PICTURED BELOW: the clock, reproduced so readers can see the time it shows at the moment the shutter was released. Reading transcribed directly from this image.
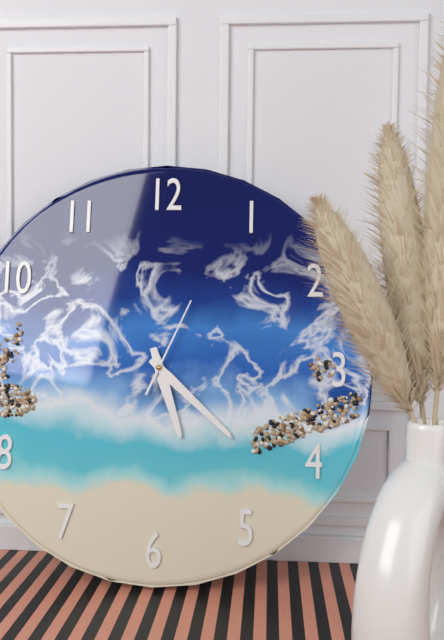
5:22:04
